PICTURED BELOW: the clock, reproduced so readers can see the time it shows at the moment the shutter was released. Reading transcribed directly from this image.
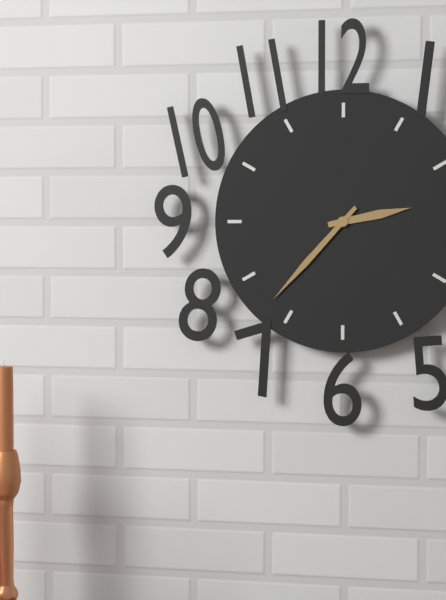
2:37
